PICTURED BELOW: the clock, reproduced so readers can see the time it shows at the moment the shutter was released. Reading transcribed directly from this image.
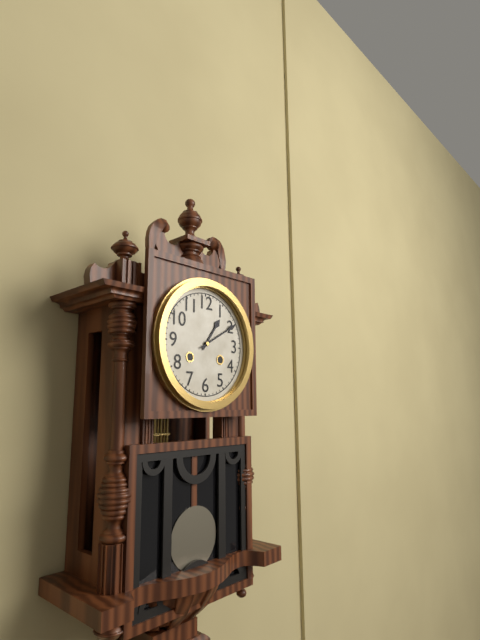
1:10
